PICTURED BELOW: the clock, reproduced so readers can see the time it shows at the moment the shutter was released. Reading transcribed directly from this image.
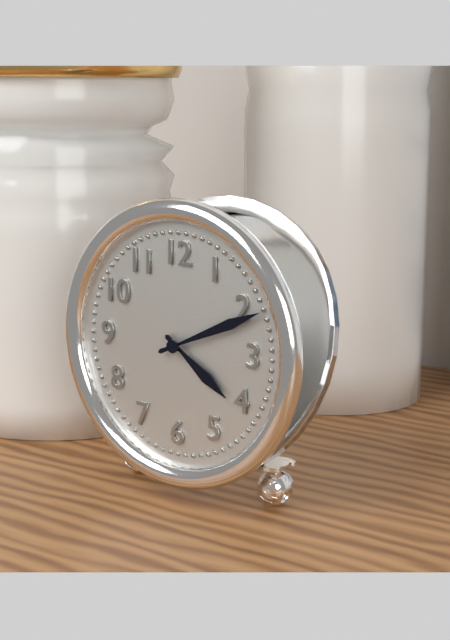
4:11
